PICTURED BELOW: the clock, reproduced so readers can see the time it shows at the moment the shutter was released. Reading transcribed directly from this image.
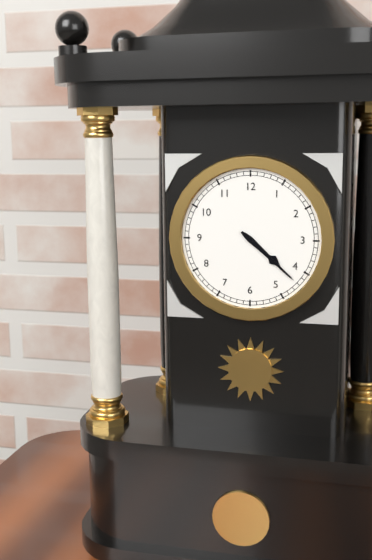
4:22
